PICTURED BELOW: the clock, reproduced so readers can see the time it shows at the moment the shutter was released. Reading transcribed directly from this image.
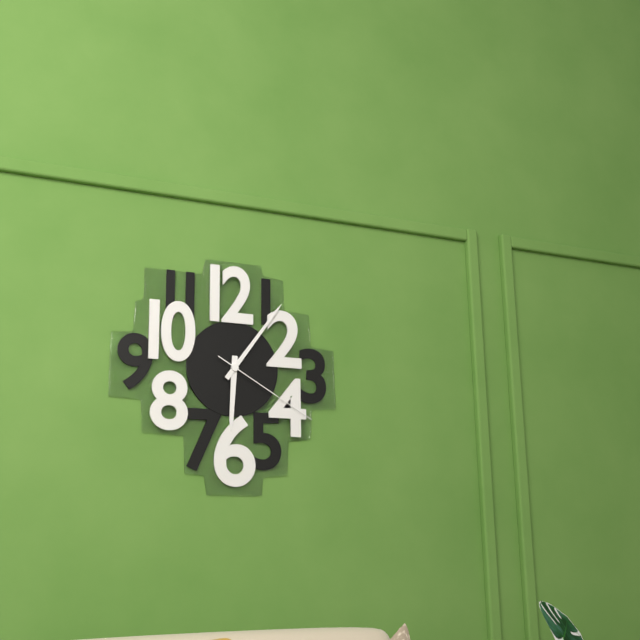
6:06:20
